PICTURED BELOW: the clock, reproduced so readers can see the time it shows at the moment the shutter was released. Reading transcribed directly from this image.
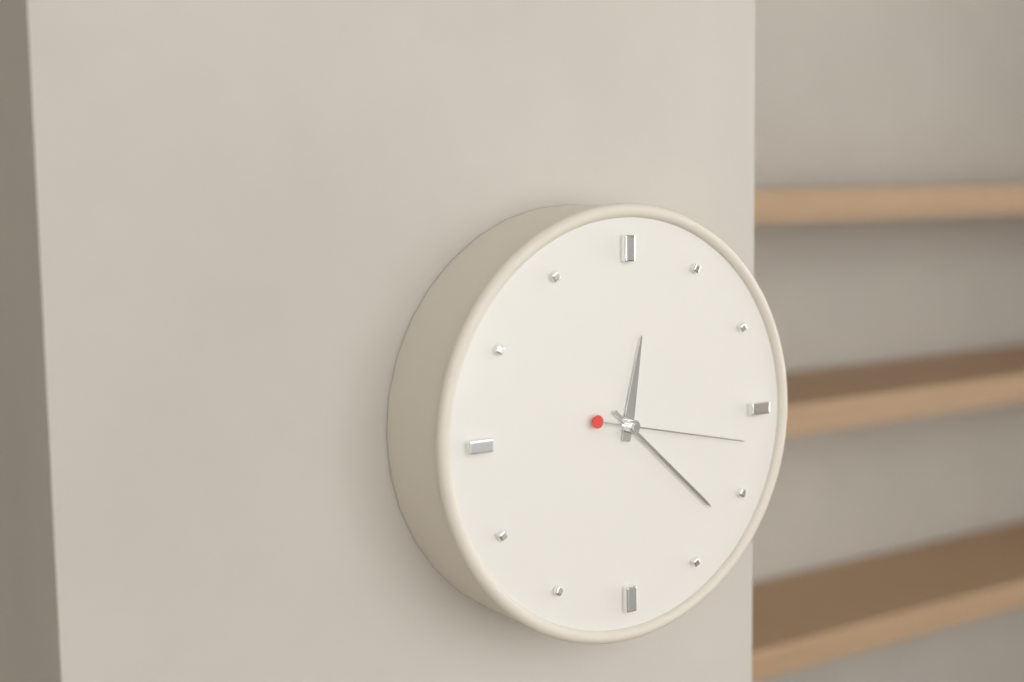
12:22:17
